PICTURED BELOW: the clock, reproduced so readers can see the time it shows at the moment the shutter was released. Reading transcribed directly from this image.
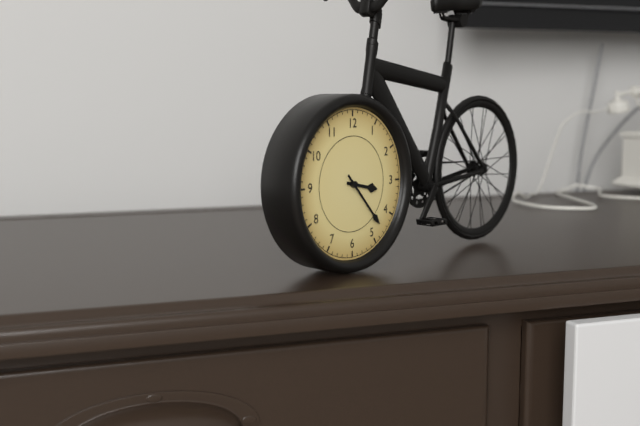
3:23
